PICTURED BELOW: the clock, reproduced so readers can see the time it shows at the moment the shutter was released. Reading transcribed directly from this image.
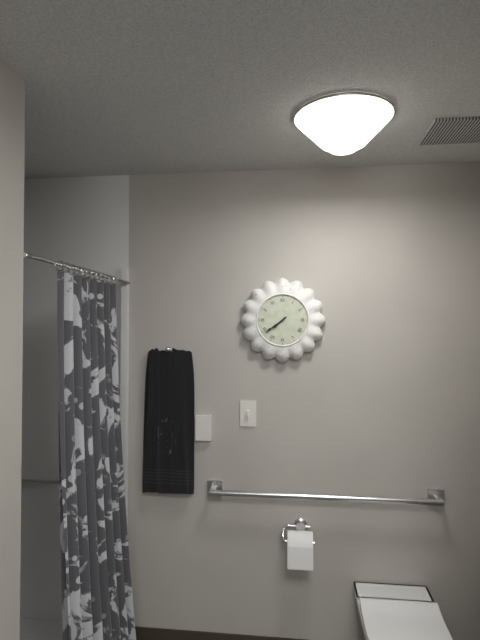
7:39
